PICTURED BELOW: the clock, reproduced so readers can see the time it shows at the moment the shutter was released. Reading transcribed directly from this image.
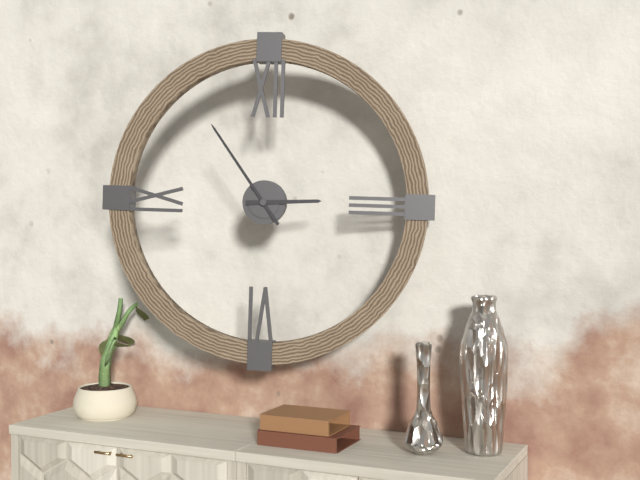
2:54
